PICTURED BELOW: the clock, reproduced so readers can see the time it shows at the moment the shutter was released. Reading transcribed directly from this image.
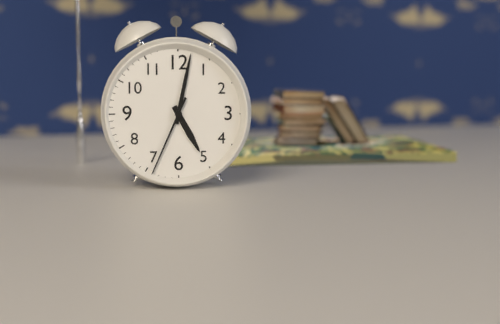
5:02:34
